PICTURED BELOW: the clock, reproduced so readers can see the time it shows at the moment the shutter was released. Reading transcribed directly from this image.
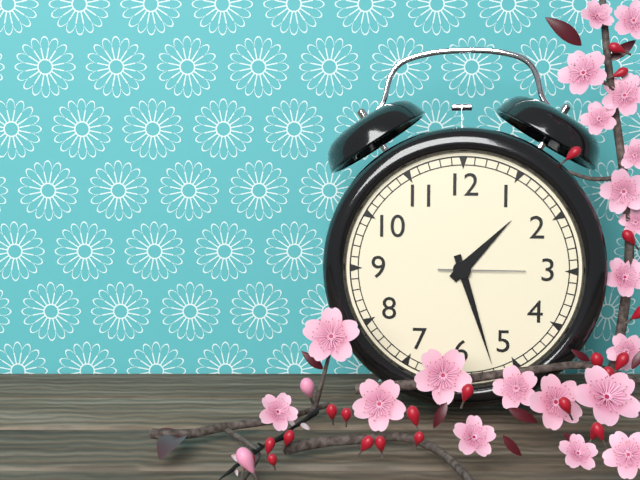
1:27:15
